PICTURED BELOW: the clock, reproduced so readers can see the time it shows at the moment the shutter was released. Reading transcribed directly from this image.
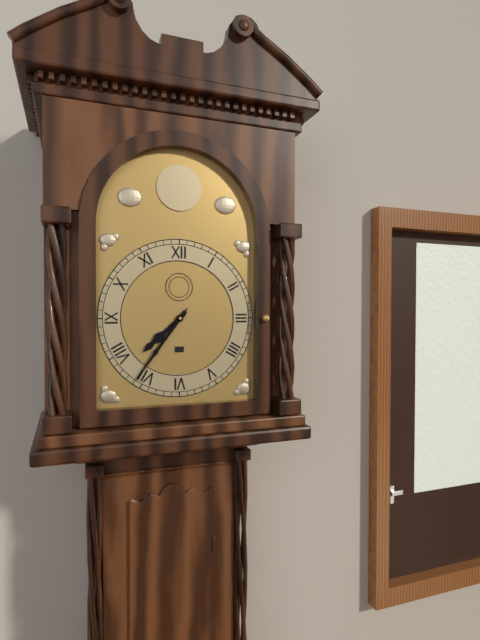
7:36
